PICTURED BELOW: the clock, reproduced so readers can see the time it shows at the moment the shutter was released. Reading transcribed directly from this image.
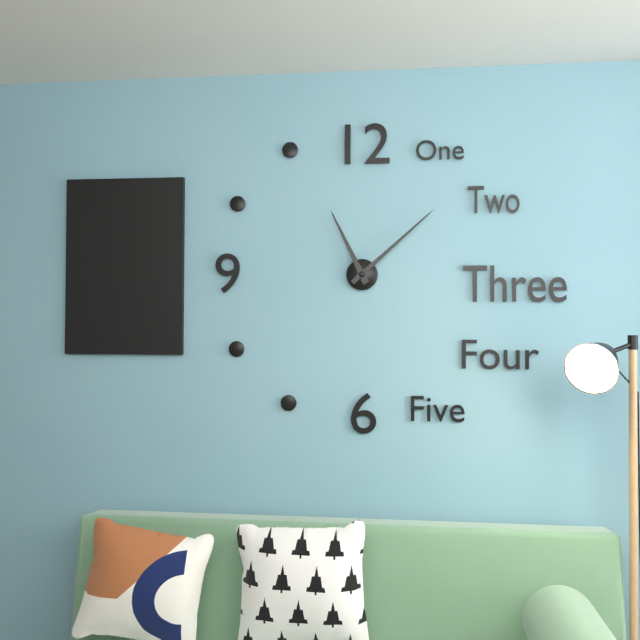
11:08
